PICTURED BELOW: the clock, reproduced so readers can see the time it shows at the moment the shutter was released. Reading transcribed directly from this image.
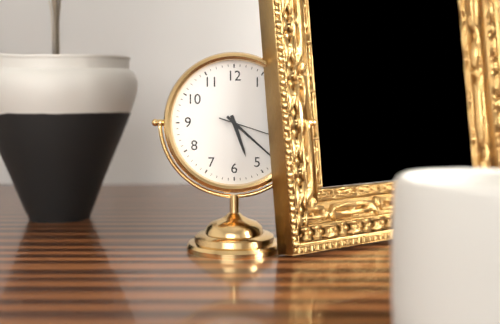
5:22
